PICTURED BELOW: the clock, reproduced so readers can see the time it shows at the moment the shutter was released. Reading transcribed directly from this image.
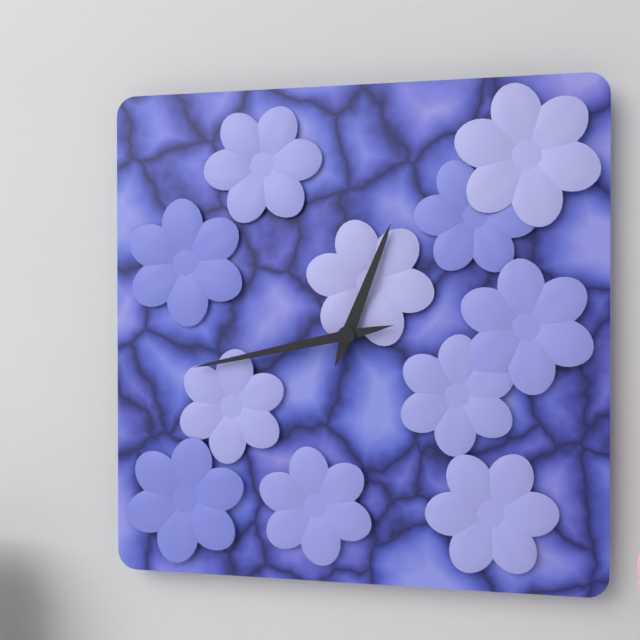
12:43
